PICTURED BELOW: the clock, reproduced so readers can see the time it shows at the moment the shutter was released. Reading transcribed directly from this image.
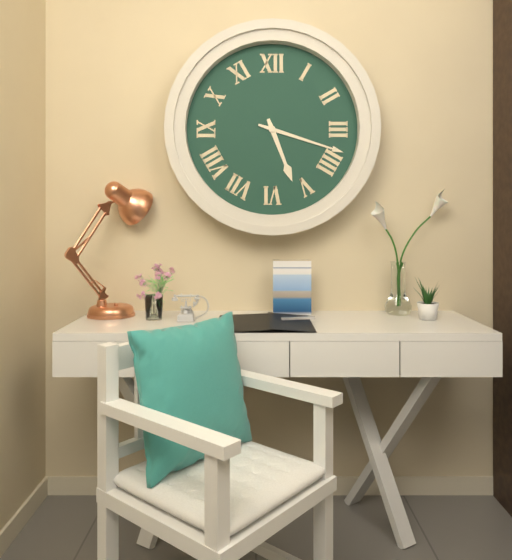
5:18
